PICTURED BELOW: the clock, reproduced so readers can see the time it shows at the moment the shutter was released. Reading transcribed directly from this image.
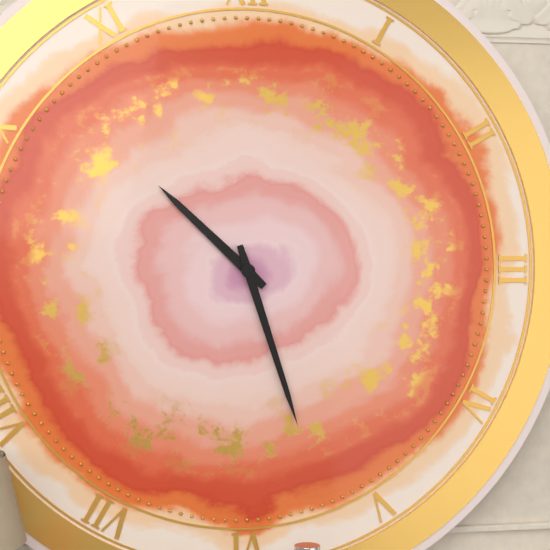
10:27
